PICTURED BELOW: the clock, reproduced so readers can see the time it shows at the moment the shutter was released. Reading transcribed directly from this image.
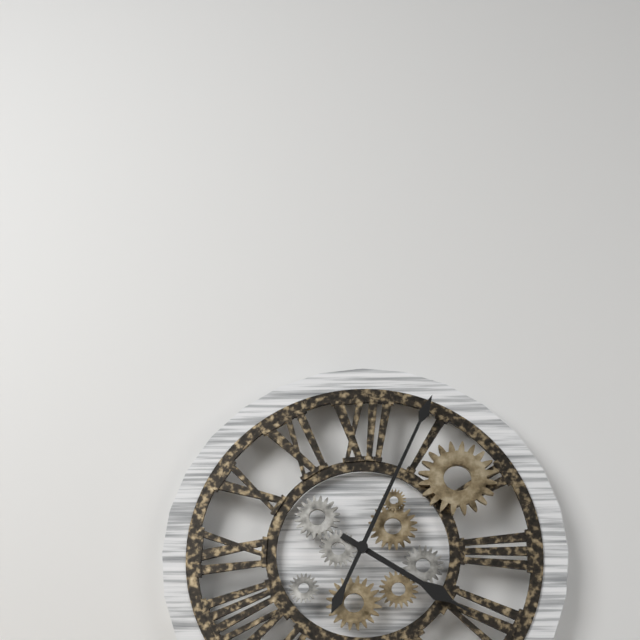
4:04
